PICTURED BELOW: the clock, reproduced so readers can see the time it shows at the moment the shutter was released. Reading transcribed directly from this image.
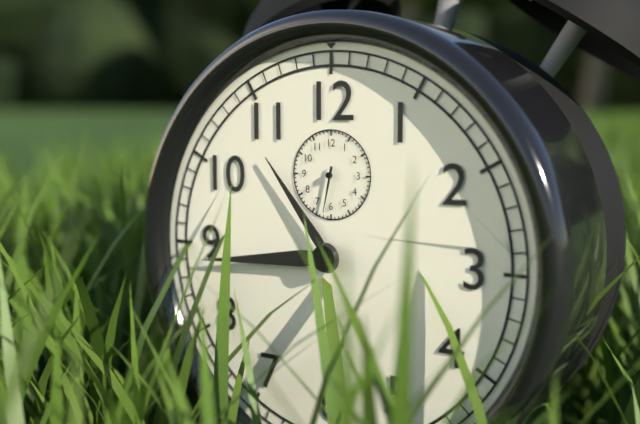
10:44
